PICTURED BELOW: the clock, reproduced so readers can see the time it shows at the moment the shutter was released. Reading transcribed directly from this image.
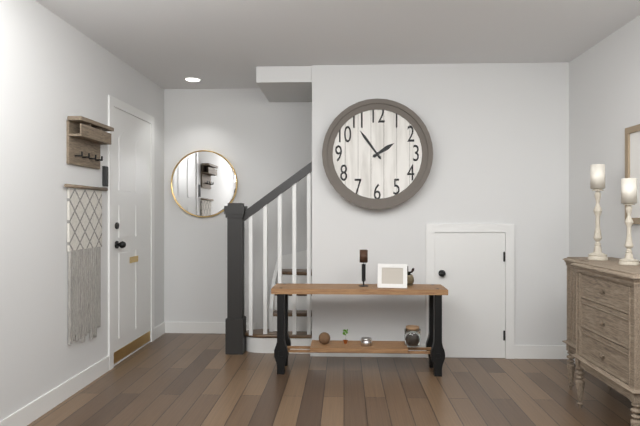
1:54
